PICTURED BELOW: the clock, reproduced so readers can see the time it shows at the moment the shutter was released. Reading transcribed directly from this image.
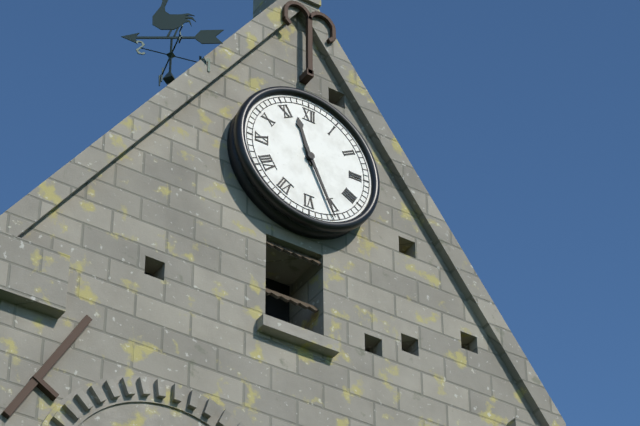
11:26
